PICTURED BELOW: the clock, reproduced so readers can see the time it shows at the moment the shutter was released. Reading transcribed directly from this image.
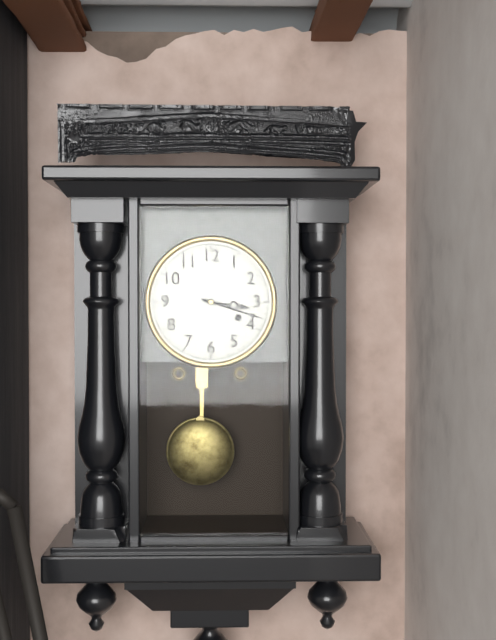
3:18
